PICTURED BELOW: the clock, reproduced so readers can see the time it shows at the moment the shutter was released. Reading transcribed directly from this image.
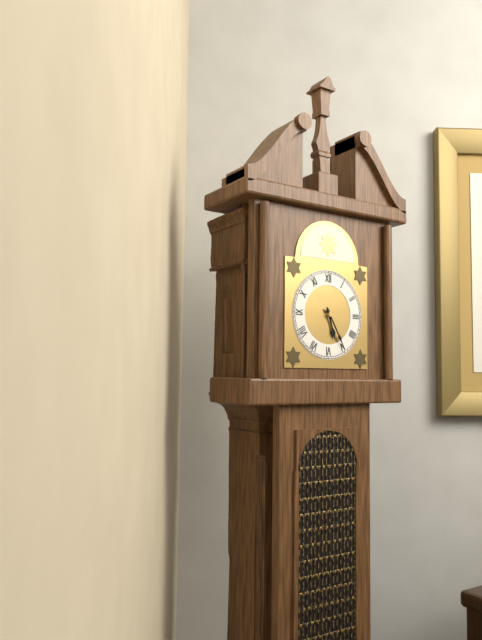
5:25
